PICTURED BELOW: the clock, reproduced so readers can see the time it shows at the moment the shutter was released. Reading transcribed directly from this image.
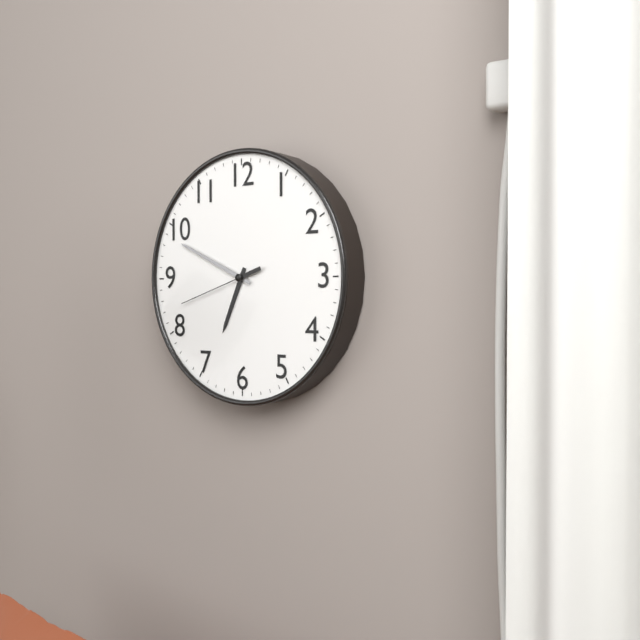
6:49:42
